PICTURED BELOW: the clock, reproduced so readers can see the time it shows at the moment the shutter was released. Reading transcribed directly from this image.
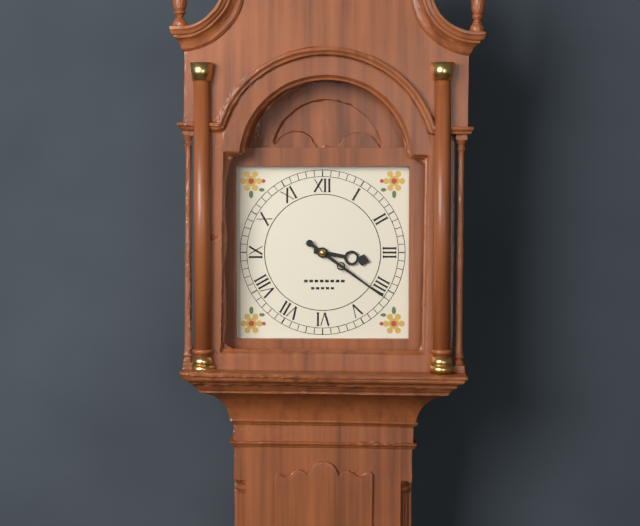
3:21
